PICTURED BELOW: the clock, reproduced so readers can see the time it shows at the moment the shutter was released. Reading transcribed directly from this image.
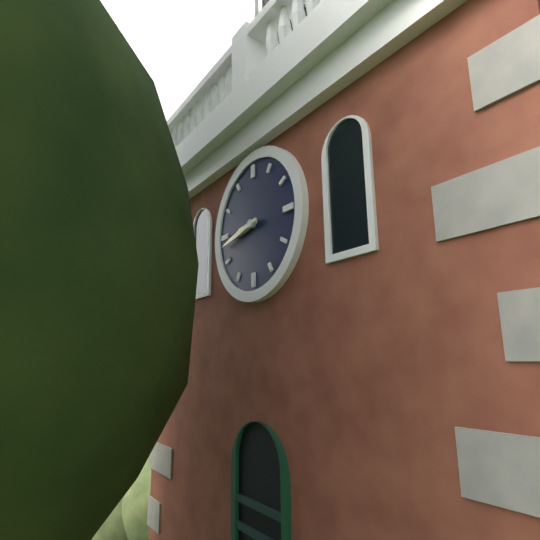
8:43
